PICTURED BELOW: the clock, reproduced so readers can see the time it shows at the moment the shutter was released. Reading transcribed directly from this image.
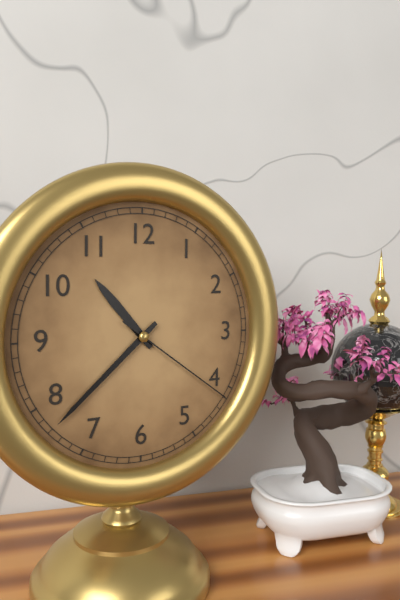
10:38:21
